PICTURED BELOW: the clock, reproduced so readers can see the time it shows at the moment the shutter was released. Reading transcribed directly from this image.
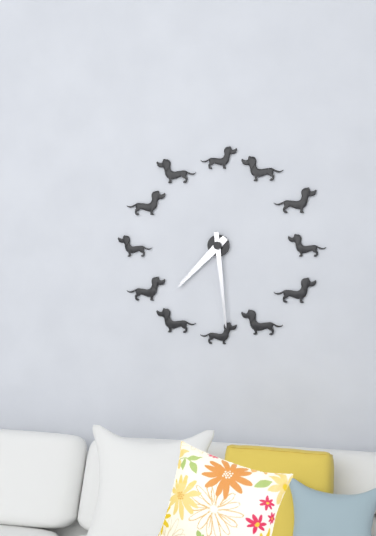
7:29
